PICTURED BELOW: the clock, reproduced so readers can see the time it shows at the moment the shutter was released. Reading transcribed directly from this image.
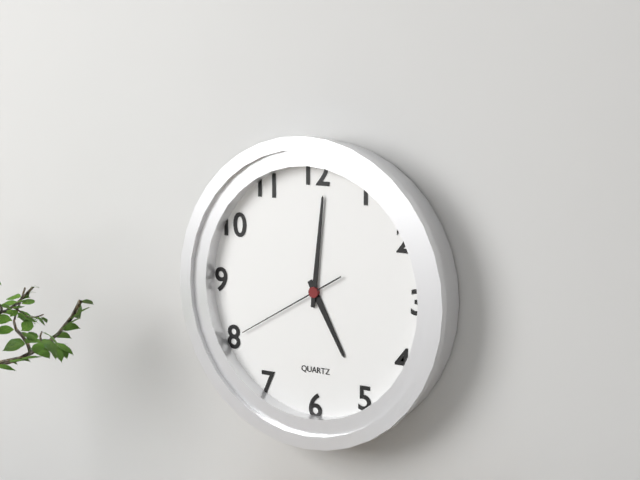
5:01:40
